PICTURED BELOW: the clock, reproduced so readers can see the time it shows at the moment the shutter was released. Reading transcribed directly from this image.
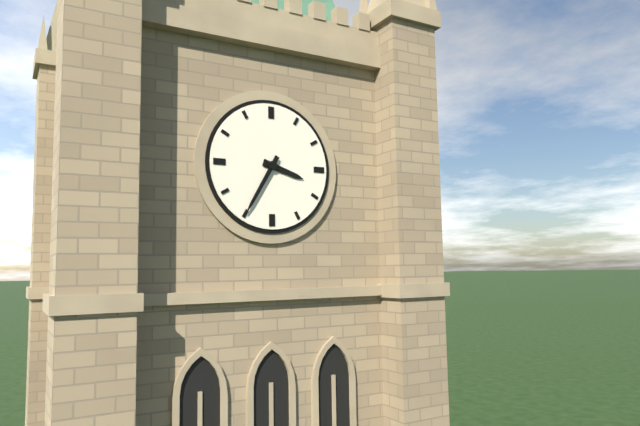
3:35
